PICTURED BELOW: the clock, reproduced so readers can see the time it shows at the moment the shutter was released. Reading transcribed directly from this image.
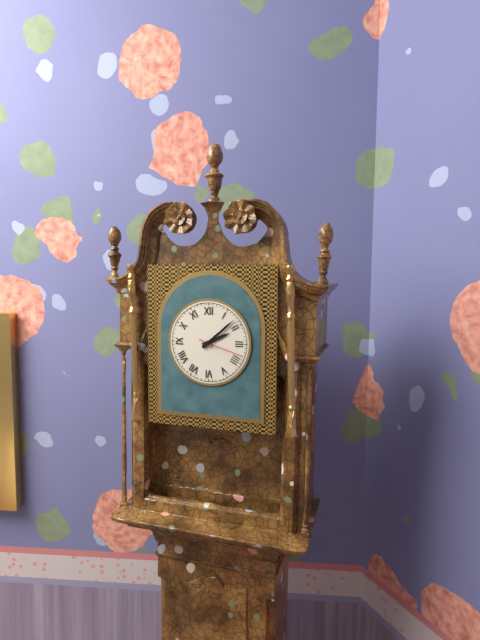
2:08
